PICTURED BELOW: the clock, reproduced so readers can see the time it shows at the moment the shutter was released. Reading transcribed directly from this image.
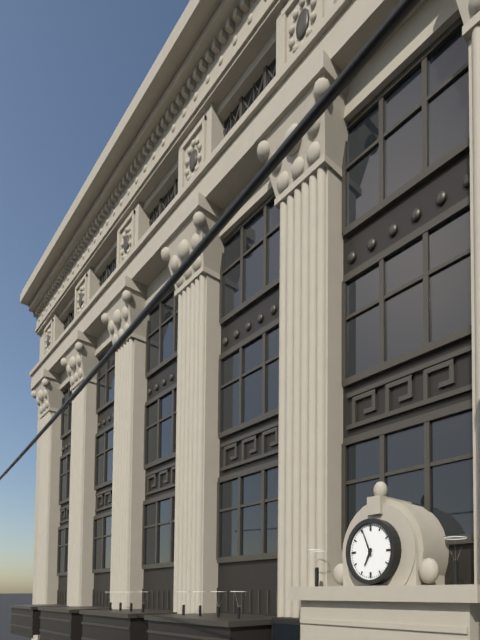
6:56
